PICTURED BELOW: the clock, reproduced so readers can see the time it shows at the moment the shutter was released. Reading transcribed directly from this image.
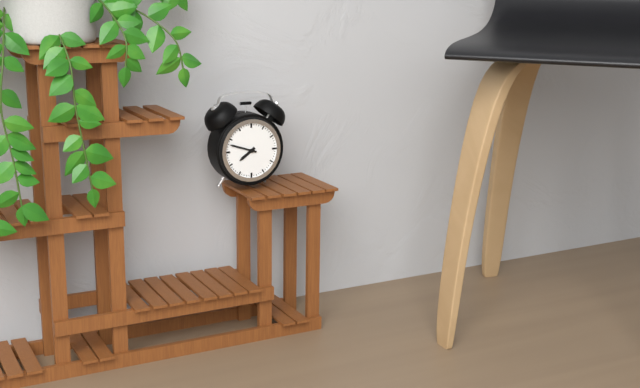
7:48
